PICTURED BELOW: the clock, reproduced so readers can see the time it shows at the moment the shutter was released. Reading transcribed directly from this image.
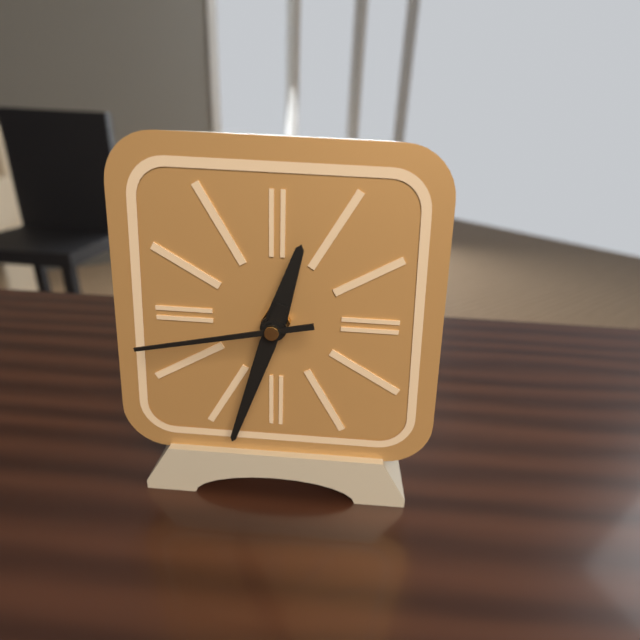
12:33:43
